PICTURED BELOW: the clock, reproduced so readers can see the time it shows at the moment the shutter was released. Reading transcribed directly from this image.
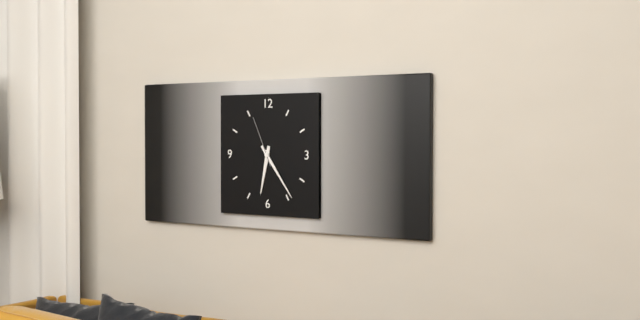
6:24:56
